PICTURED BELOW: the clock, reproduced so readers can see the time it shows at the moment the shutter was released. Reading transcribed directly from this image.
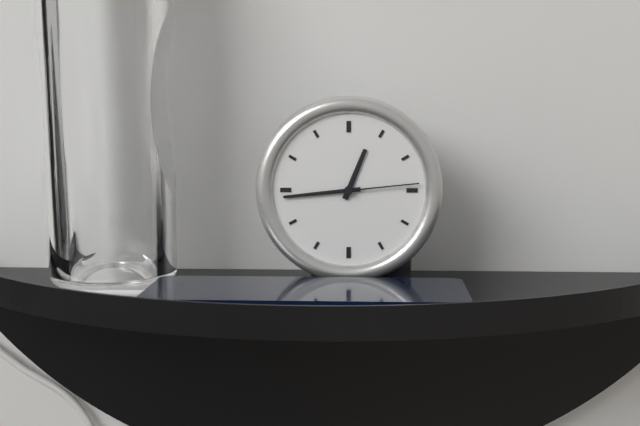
12:44:14
